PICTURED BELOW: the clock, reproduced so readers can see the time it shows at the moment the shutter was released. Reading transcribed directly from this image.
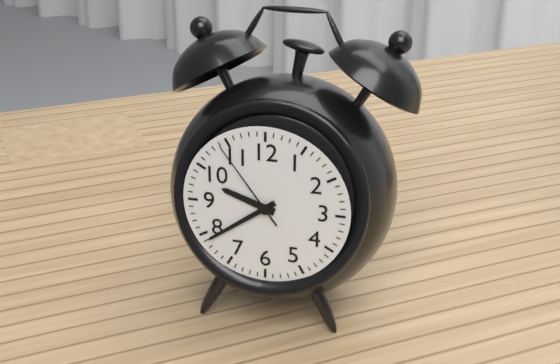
9:39:54
